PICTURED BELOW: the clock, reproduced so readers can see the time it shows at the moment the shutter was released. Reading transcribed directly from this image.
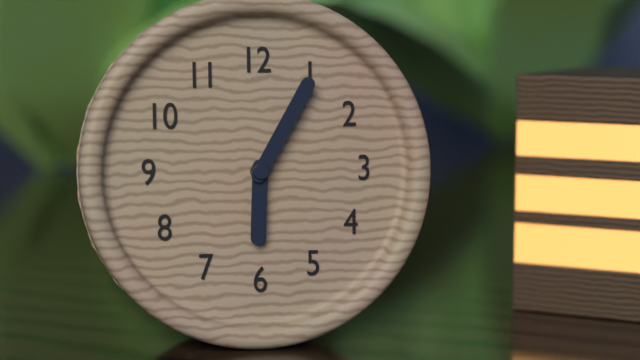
6:05
